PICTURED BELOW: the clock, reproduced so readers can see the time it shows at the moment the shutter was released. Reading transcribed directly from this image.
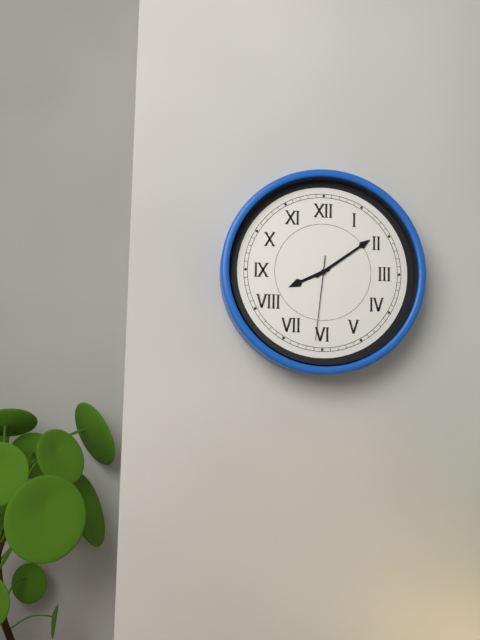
8:09:31
